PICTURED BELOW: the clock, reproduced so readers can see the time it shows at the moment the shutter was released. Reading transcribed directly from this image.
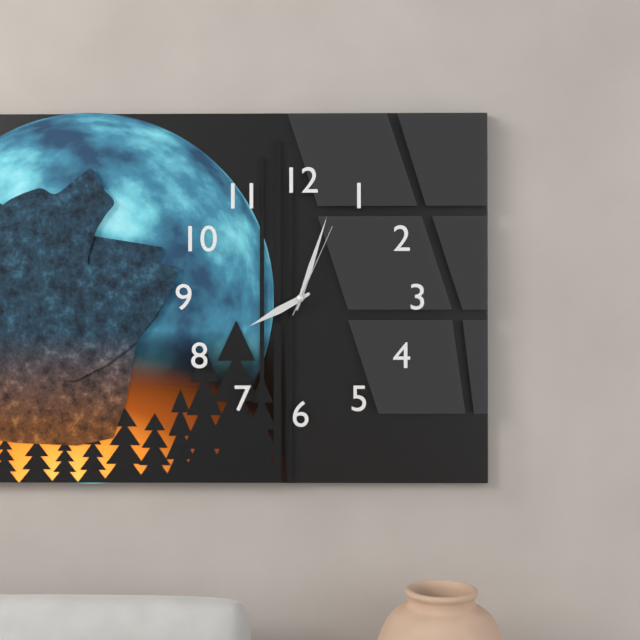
8:03:04
